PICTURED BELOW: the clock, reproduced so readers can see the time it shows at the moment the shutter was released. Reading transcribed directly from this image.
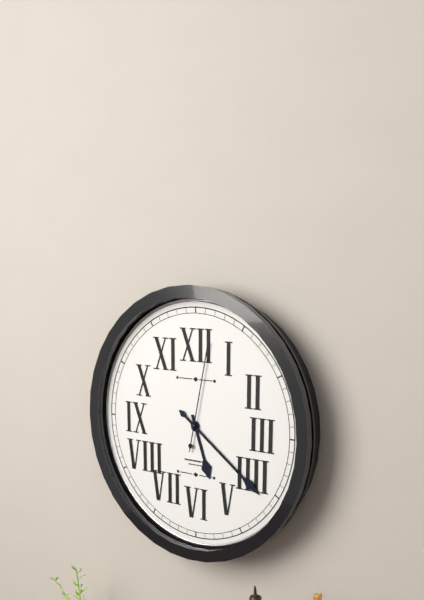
5:21:02
